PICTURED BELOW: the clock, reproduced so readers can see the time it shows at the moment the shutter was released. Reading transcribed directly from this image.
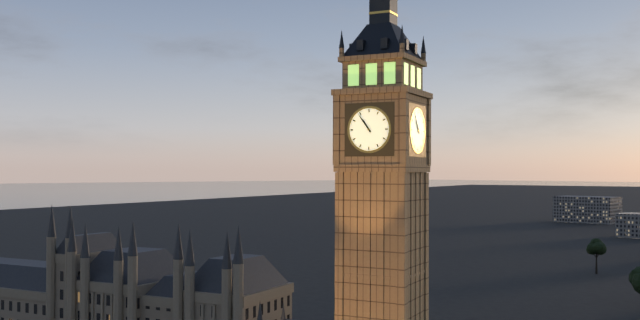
10:54
